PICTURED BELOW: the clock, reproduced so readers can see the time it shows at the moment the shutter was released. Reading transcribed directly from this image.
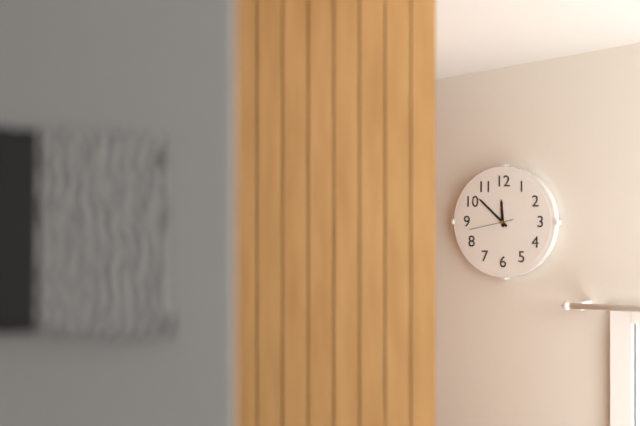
11:52
